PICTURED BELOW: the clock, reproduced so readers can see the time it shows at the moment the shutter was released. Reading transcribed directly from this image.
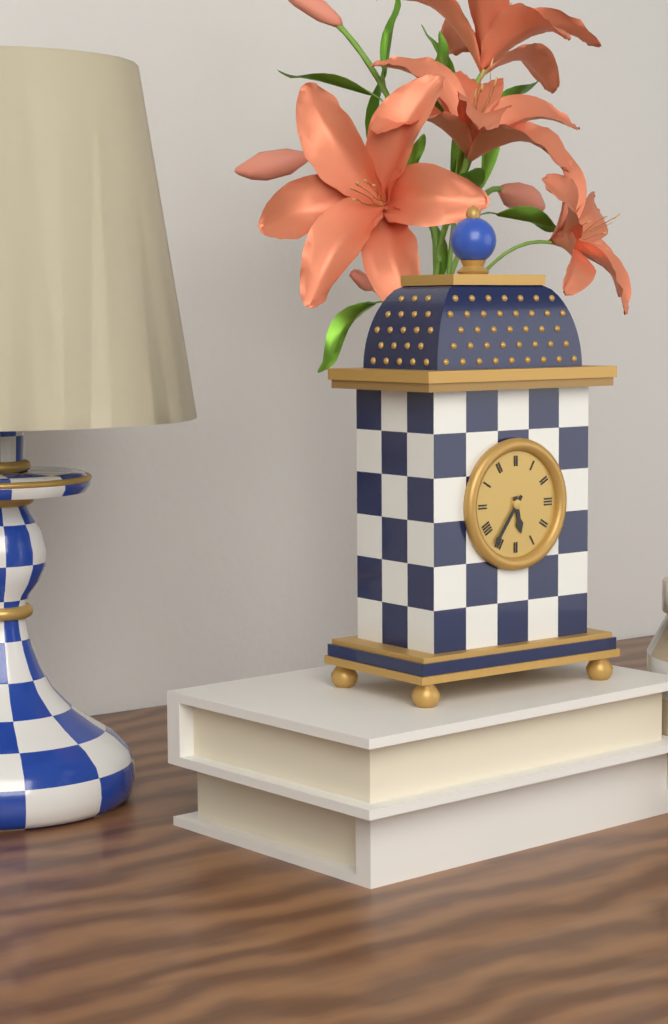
5:36
